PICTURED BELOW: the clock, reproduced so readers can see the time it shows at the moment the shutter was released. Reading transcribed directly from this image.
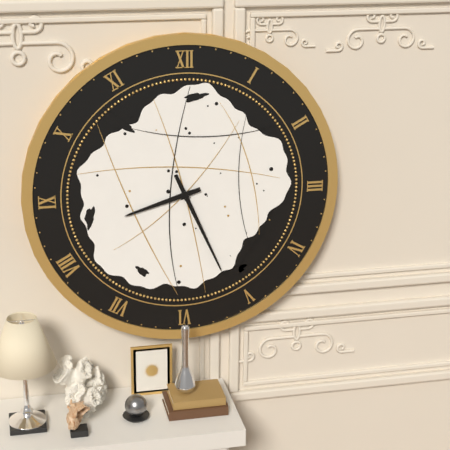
8:26
